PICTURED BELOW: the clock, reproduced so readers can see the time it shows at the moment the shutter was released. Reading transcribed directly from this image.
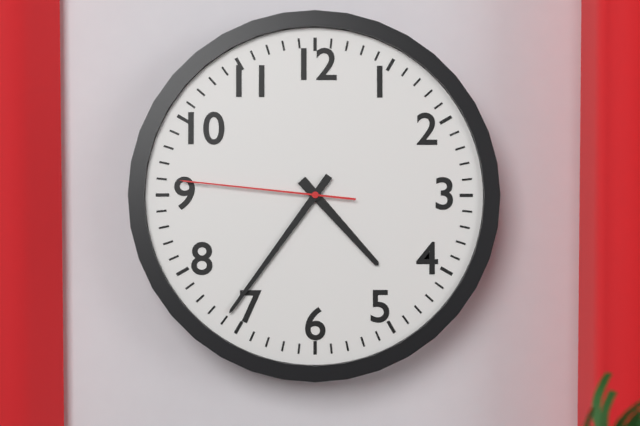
4:36:46
